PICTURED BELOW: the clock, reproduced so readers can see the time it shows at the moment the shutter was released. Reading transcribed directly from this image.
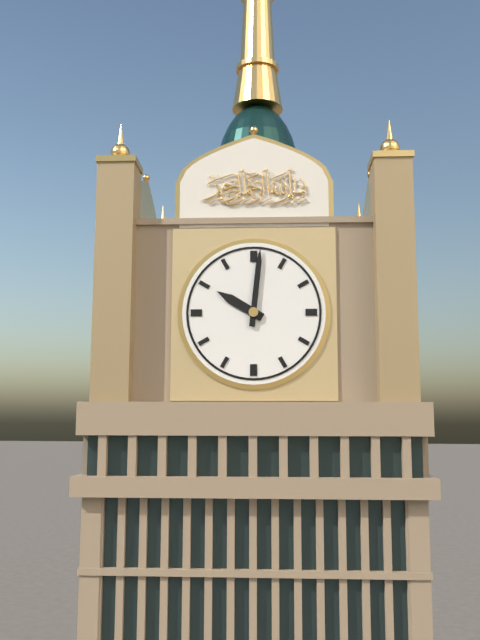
10:01
